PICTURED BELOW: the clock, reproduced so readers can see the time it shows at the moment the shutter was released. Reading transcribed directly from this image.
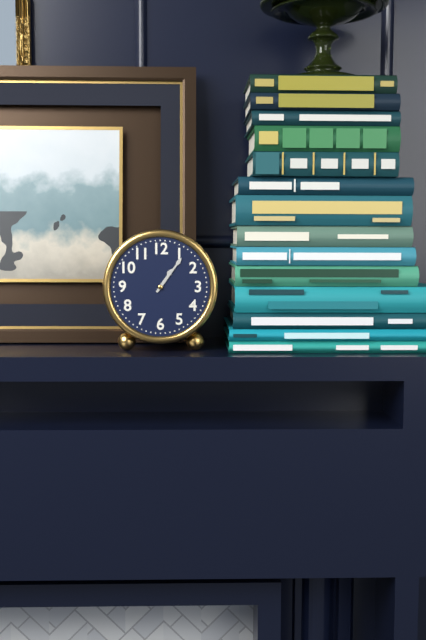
1:06
